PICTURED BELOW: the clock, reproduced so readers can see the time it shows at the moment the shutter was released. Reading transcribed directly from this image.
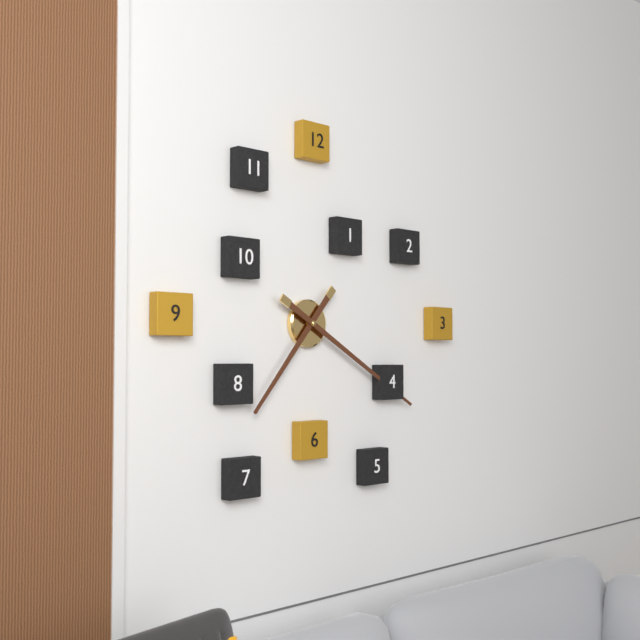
7:20
